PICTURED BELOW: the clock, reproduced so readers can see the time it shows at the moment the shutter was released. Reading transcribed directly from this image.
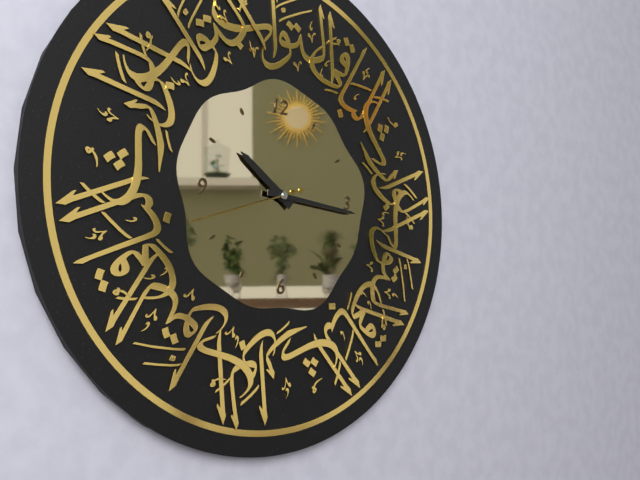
10:16:42
